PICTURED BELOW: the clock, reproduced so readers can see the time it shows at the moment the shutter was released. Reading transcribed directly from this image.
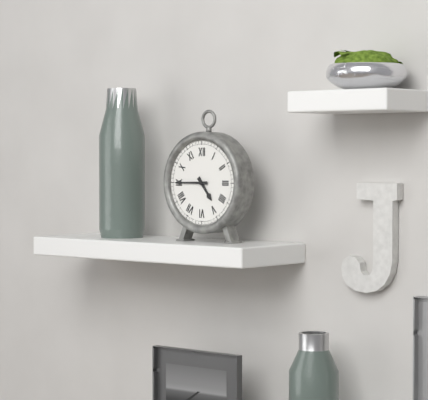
4:45
